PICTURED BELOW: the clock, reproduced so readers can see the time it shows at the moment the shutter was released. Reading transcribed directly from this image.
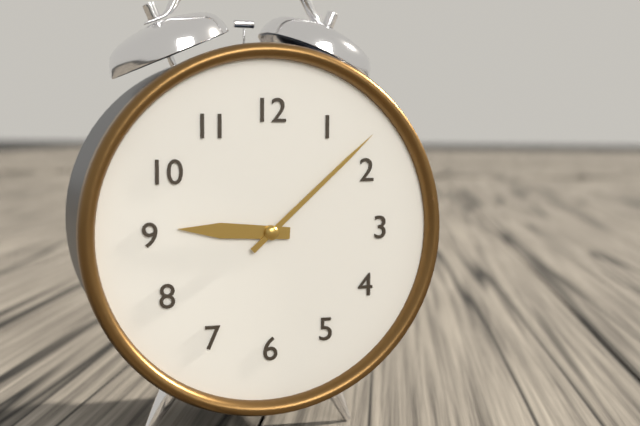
9:08
